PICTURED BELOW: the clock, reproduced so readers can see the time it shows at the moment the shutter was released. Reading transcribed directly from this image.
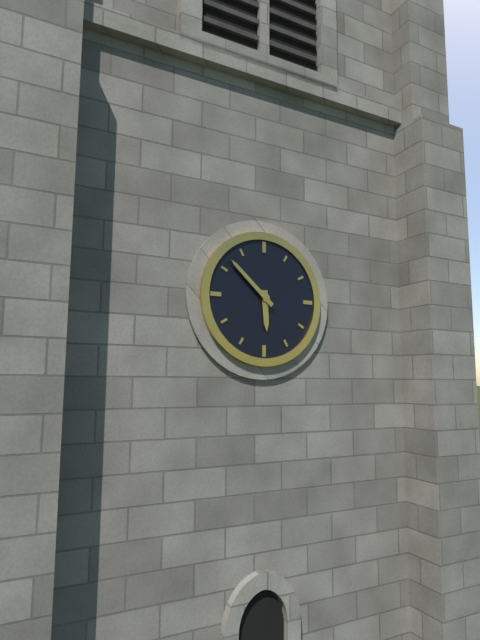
5:52
